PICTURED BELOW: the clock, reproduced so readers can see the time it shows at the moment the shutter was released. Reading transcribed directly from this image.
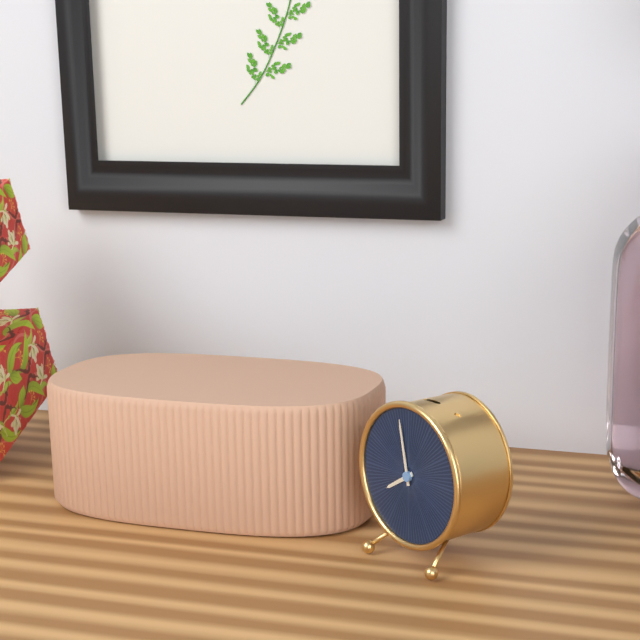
7:58
